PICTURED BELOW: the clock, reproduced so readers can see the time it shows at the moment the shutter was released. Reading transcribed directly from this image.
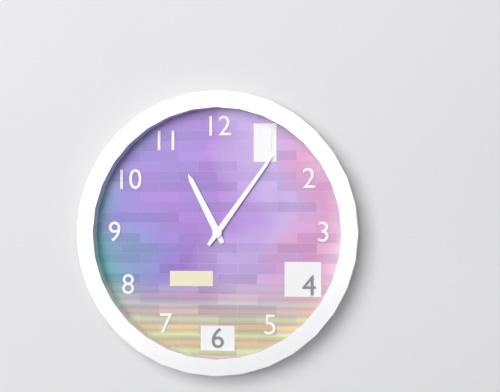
11:06
